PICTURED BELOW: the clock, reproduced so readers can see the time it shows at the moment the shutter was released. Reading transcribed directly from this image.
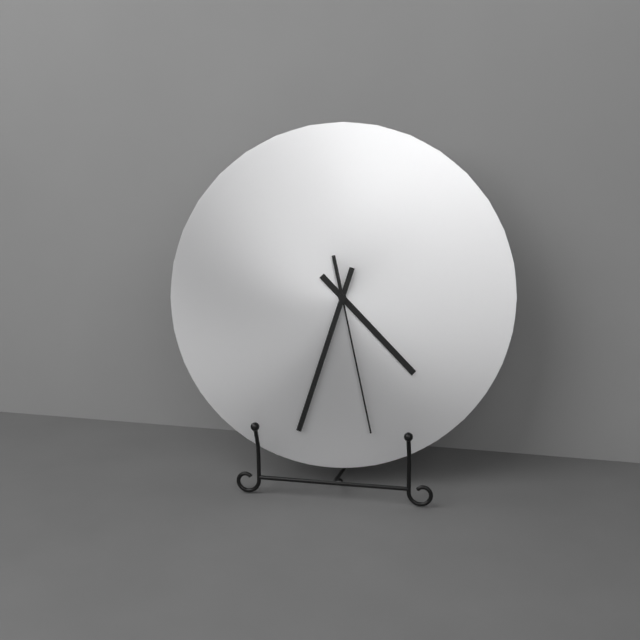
4:33:28
